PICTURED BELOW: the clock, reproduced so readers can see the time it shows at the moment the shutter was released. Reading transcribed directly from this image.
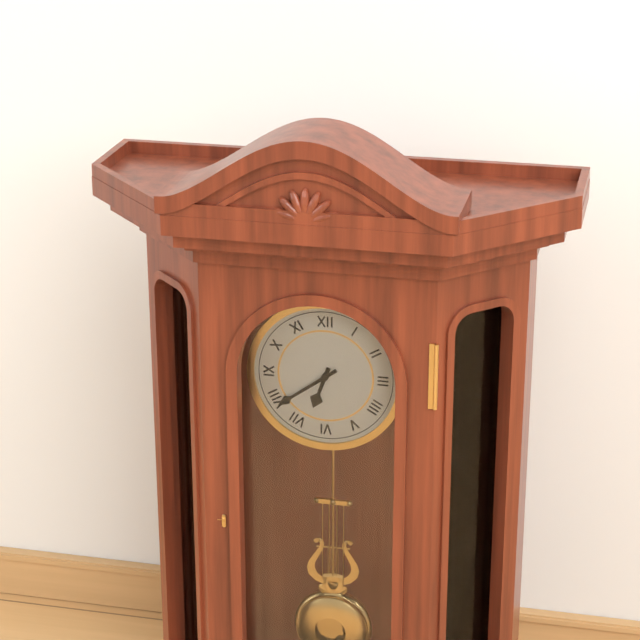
6:39
